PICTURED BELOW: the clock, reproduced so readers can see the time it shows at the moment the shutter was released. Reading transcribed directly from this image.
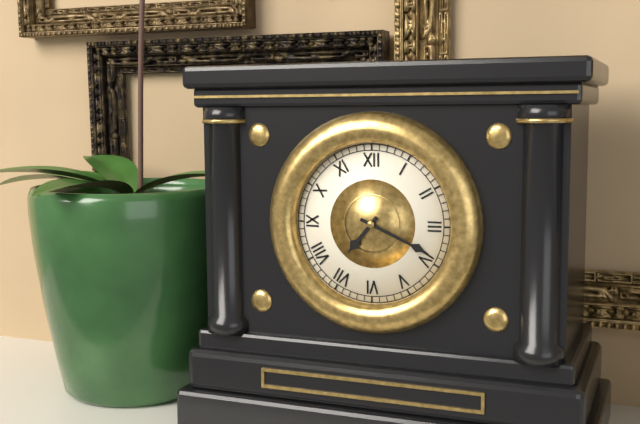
7:19
